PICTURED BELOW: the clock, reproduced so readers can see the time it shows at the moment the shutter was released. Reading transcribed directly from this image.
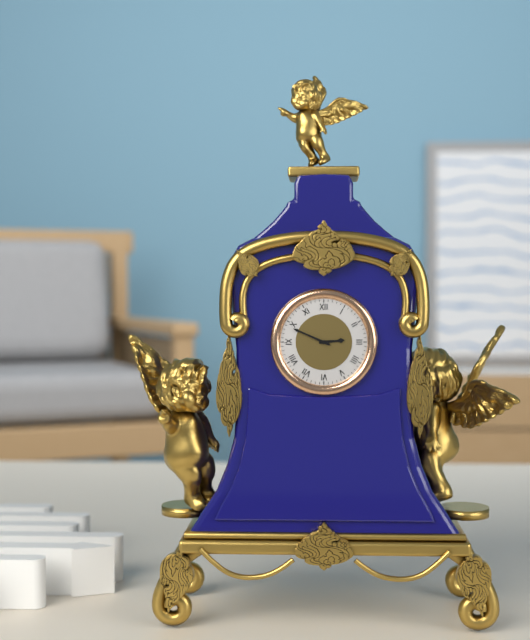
2:49
